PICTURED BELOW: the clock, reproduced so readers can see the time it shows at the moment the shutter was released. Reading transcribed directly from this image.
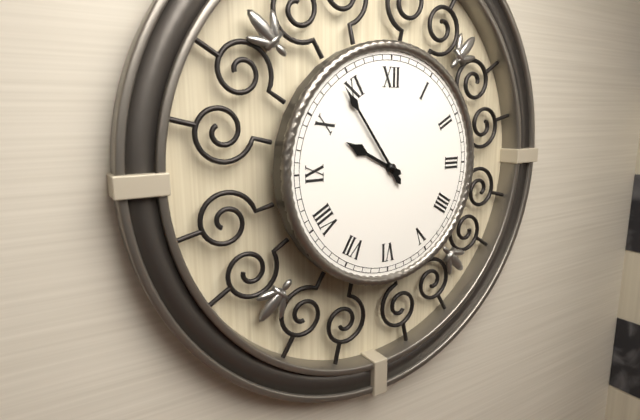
9:54
